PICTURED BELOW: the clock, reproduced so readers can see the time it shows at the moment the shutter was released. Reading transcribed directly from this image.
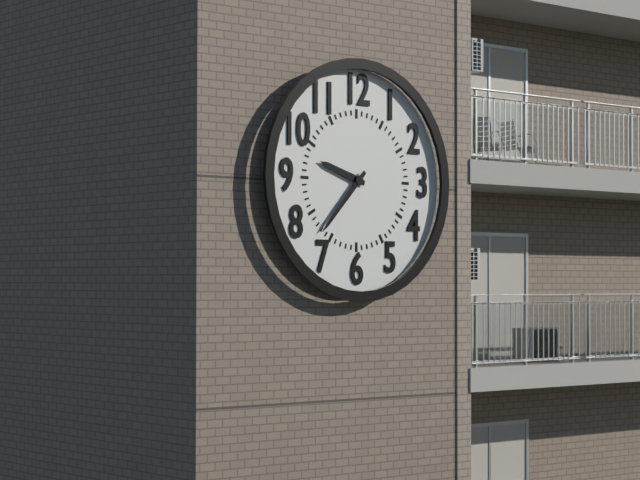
9:37
